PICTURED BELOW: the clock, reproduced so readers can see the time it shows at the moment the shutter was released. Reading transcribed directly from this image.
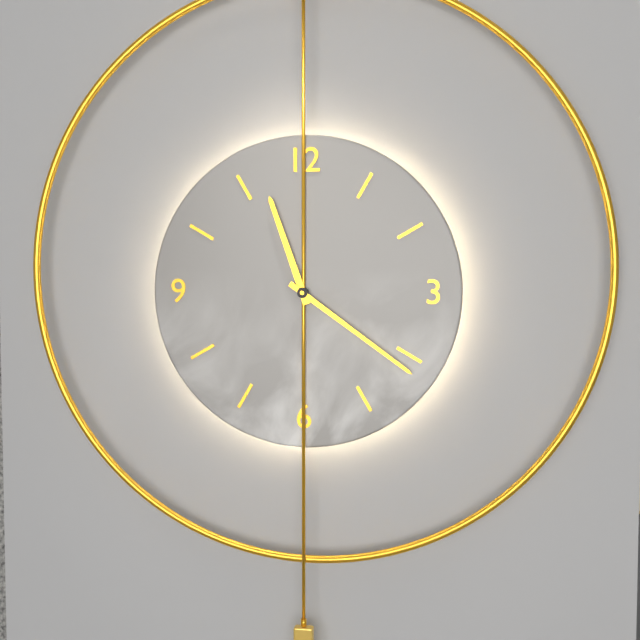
11:21
